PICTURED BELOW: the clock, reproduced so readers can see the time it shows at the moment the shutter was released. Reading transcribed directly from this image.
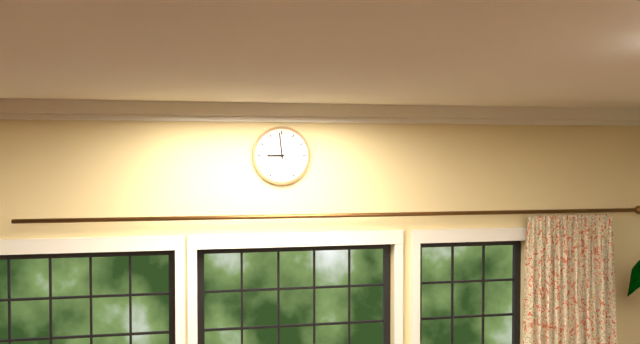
8:59
